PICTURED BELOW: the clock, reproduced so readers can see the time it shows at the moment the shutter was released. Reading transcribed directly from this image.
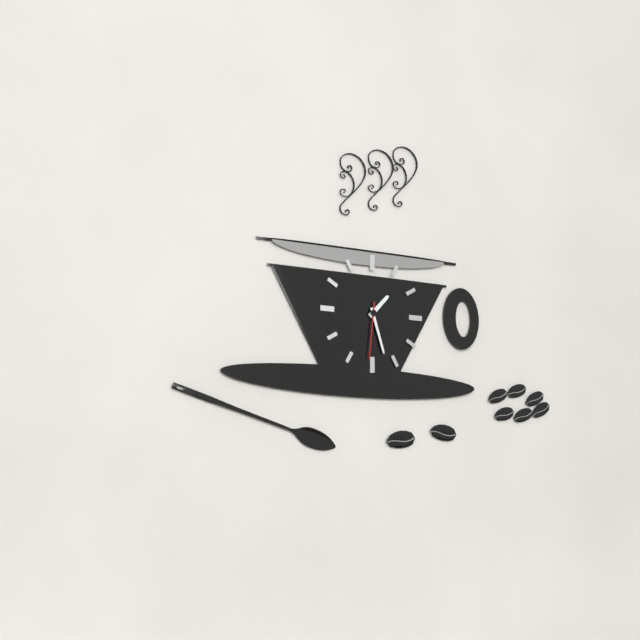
1:27:31
